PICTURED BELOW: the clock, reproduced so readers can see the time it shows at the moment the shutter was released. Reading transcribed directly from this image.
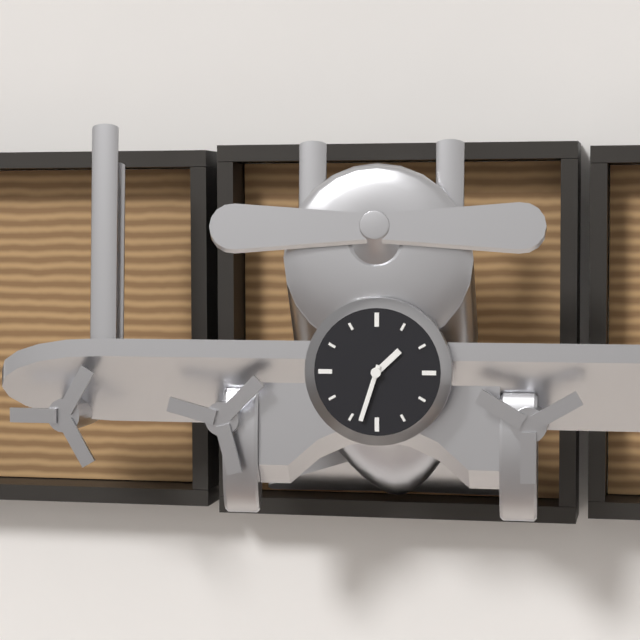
1:33
